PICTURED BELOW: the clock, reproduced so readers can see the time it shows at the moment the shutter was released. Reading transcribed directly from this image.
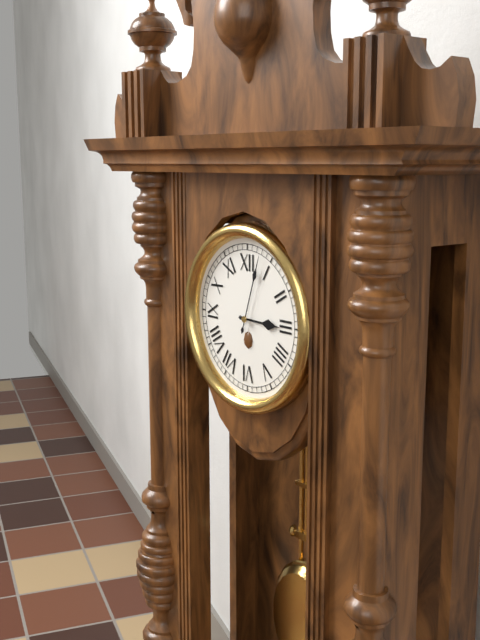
3:03
